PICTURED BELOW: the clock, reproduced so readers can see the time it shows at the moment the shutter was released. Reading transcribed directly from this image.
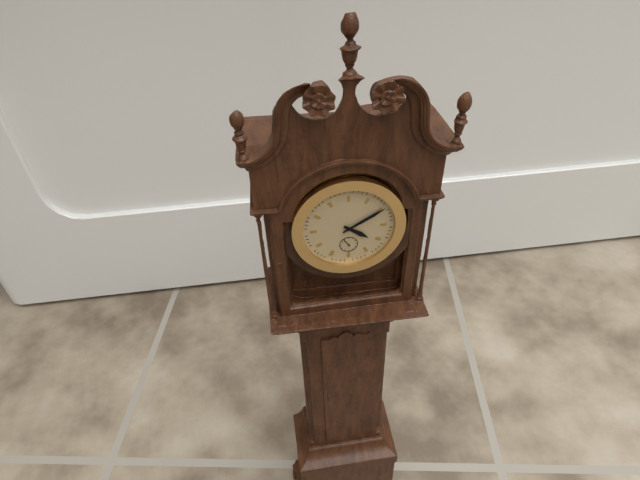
4:10
